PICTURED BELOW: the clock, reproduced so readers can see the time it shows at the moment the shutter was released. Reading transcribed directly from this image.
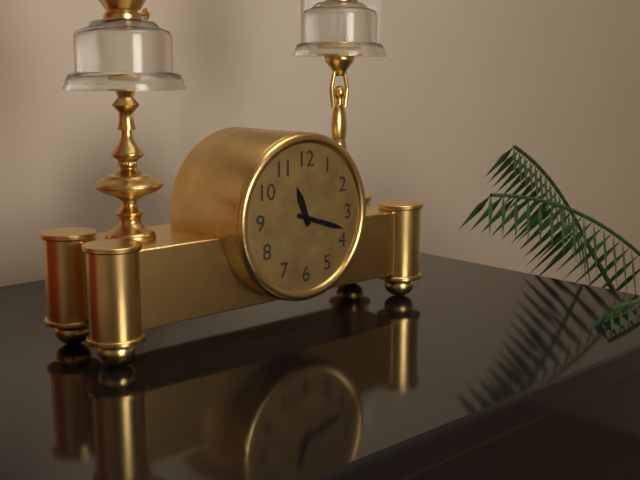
11:18
